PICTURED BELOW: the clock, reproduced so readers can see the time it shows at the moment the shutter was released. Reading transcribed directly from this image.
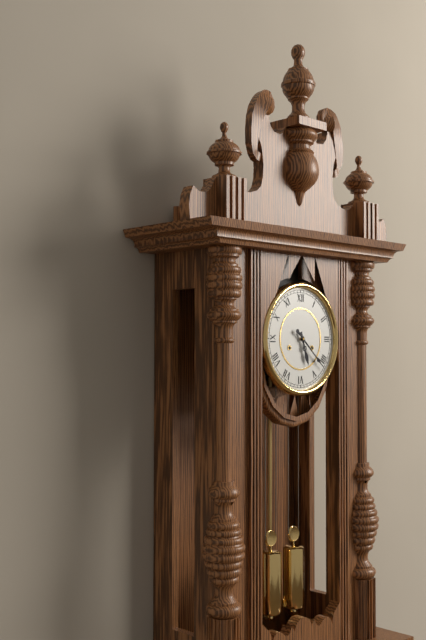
5:22
